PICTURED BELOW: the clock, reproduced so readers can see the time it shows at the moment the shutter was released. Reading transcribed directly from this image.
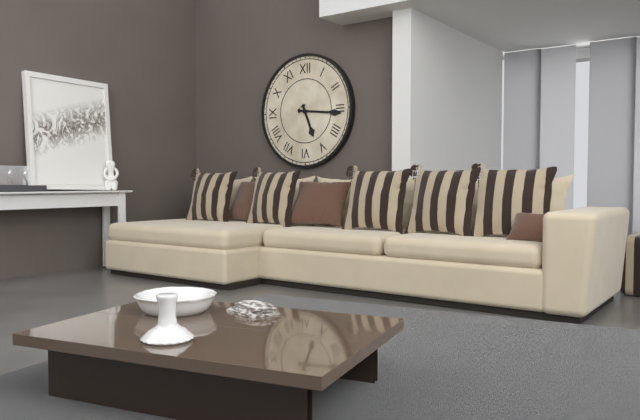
5:16
